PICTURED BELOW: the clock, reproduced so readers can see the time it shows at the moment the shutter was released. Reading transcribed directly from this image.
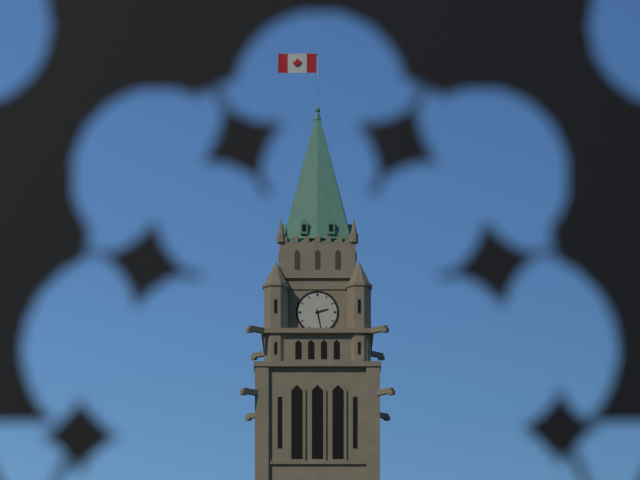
2:28
